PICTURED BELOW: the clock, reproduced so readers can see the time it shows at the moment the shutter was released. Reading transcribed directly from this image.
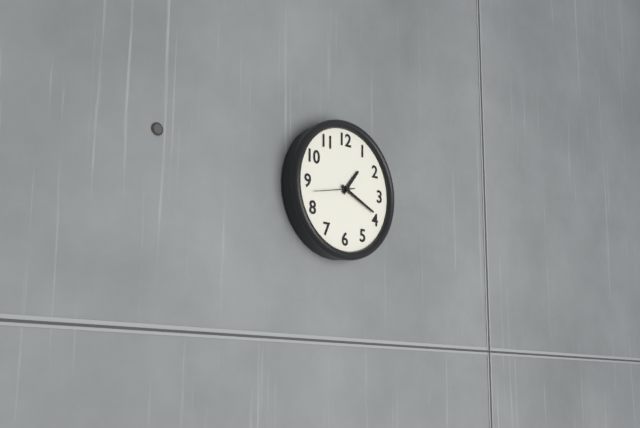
1:19
